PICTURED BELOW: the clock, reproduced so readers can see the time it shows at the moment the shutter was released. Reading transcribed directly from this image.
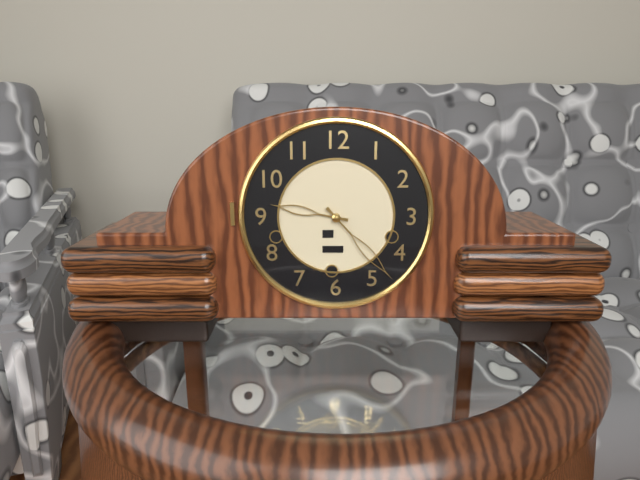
9:23
